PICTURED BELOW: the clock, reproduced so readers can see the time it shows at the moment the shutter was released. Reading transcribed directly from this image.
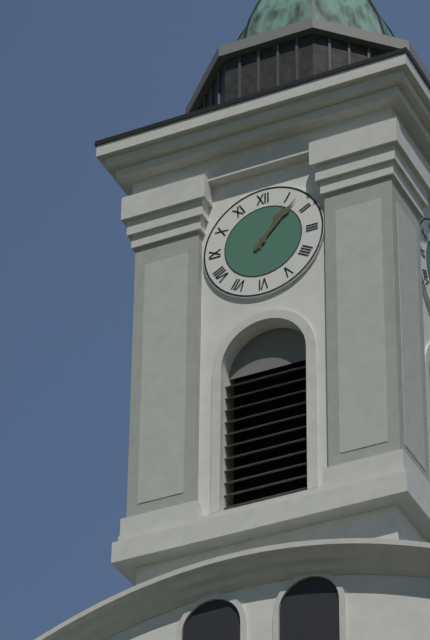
1:07
